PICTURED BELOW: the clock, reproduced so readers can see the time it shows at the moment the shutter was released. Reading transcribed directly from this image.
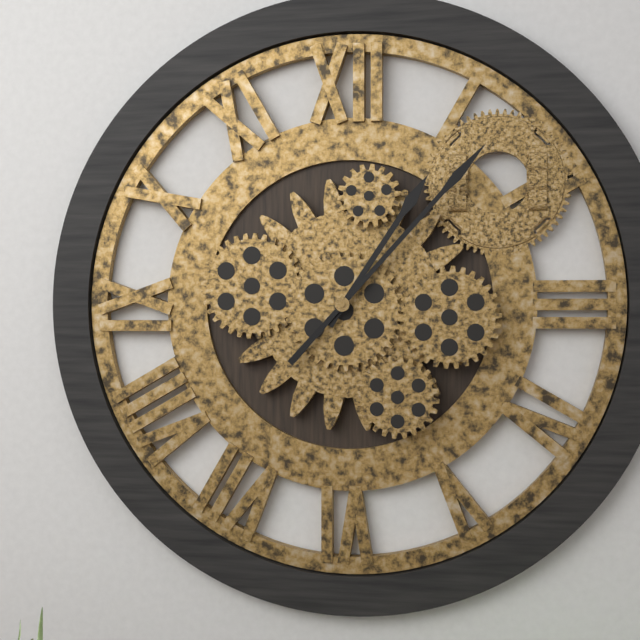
1:07
